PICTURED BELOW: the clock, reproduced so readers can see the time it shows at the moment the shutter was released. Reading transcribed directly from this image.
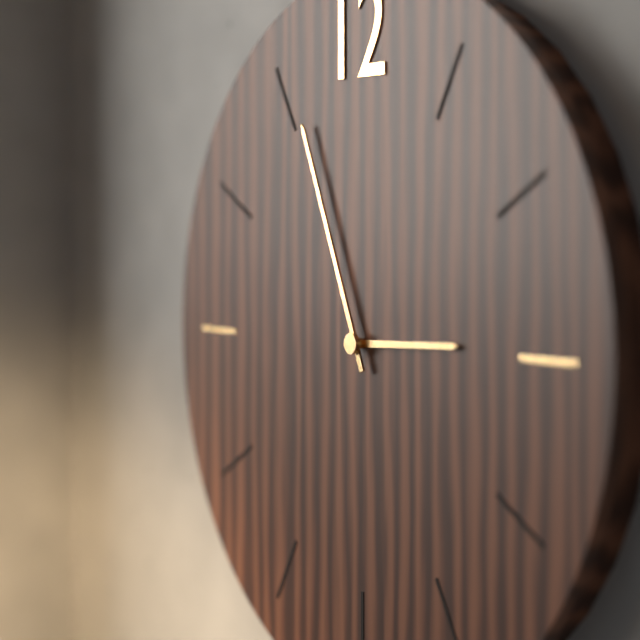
2:56
